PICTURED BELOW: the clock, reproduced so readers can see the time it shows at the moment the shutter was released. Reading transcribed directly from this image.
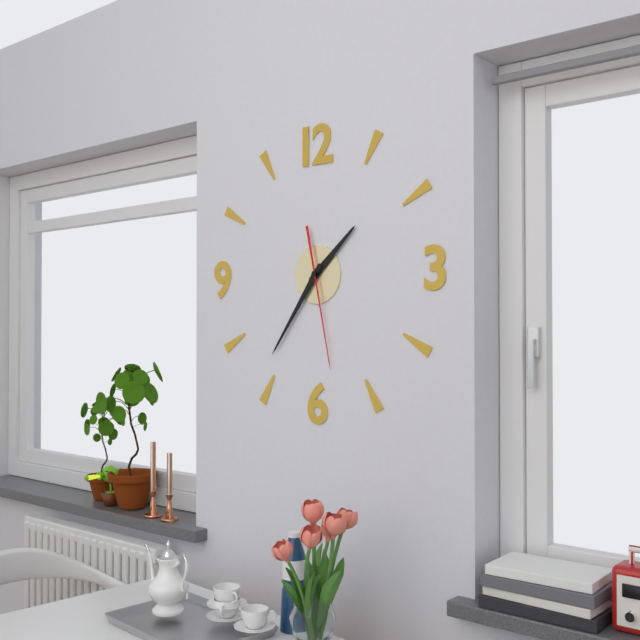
1:36:28
